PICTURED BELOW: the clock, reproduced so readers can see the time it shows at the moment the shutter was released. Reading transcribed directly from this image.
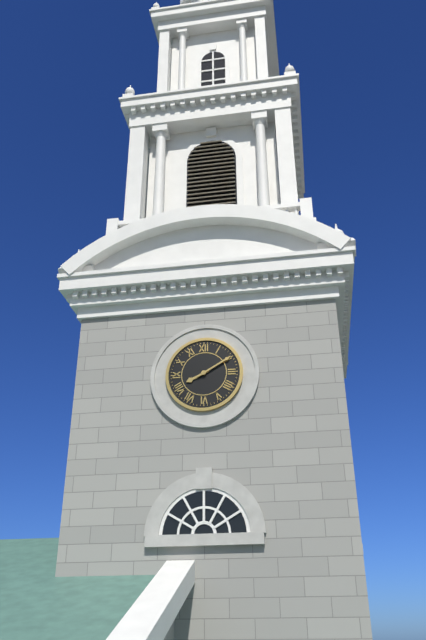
8:10
